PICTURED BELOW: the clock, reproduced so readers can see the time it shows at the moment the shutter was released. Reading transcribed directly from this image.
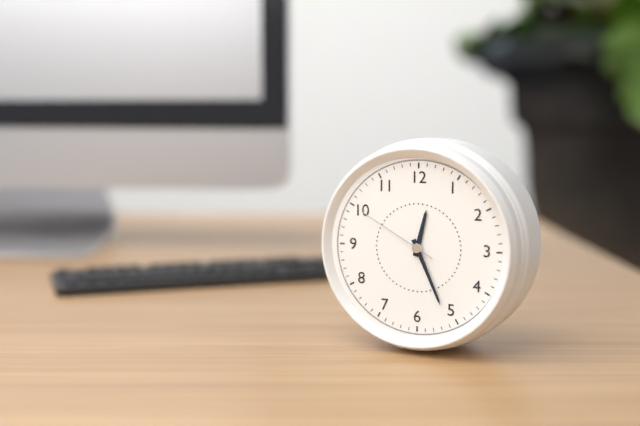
12:26:50
